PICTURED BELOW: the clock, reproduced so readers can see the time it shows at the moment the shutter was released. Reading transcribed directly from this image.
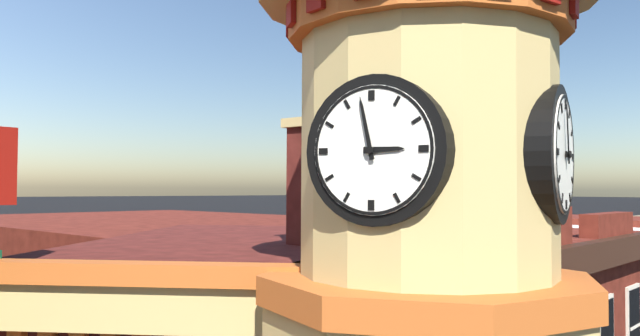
2:58
